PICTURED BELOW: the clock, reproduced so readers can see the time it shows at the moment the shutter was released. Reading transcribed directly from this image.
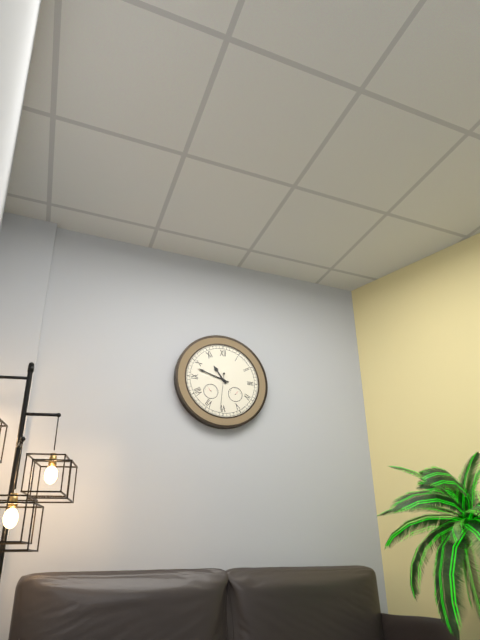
10:48
